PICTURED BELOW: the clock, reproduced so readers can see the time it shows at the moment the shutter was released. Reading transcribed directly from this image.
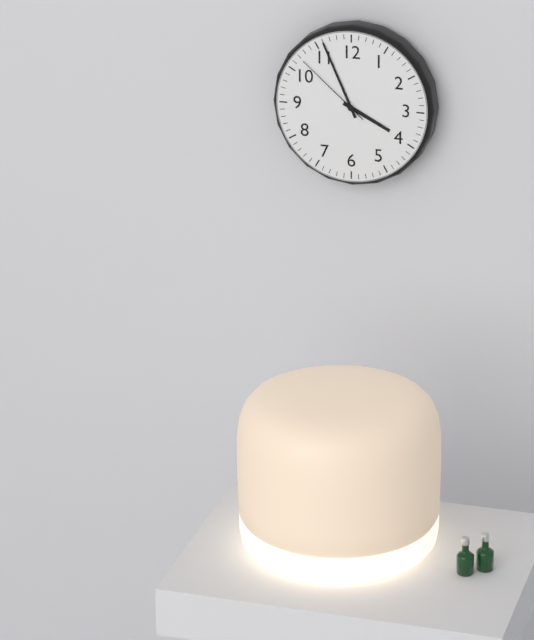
3:56:52
